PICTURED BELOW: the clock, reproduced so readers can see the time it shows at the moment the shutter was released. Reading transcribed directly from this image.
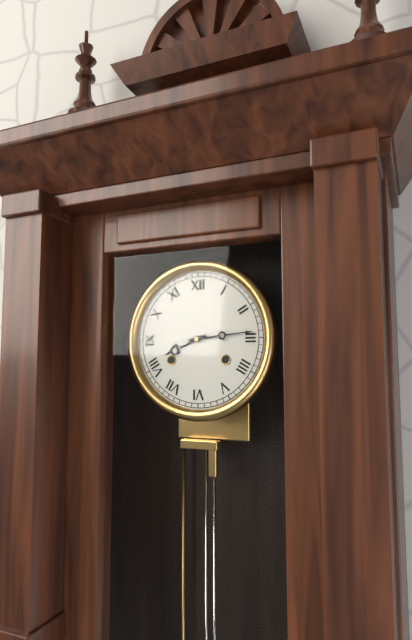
8:14
